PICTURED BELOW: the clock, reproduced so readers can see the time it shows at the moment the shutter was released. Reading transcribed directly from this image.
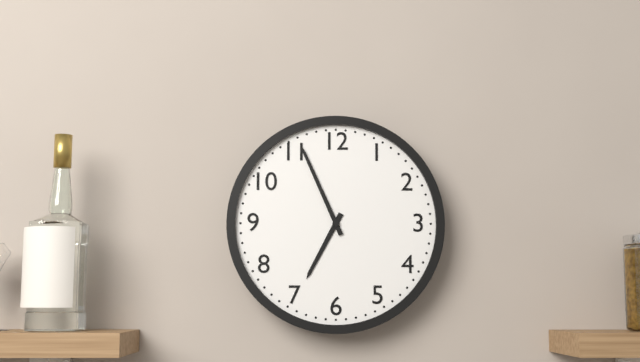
6:56
